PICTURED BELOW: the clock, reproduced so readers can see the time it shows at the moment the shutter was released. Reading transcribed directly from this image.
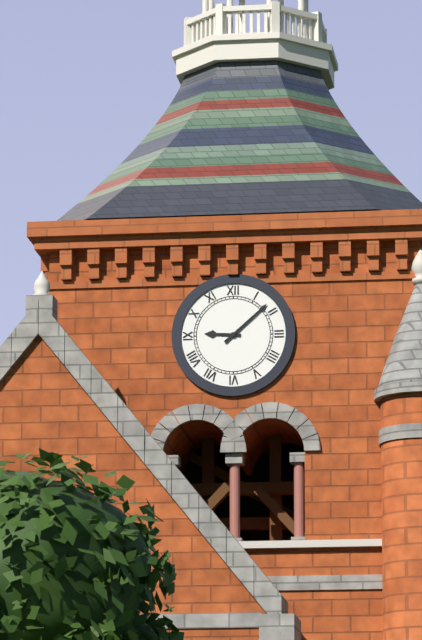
9:08
